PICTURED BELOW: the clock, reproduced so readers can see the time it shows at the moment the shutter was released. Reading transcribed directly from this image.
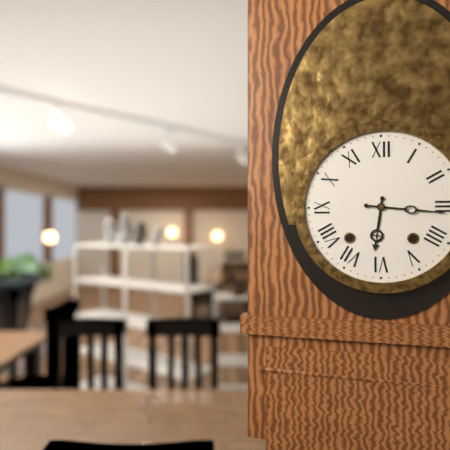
6:16
